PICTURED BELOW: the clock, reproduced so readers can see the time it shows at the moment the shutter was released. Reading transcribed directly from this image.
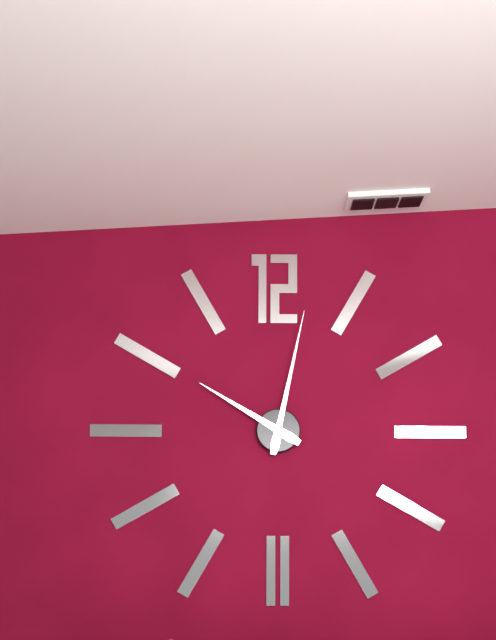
10:02
